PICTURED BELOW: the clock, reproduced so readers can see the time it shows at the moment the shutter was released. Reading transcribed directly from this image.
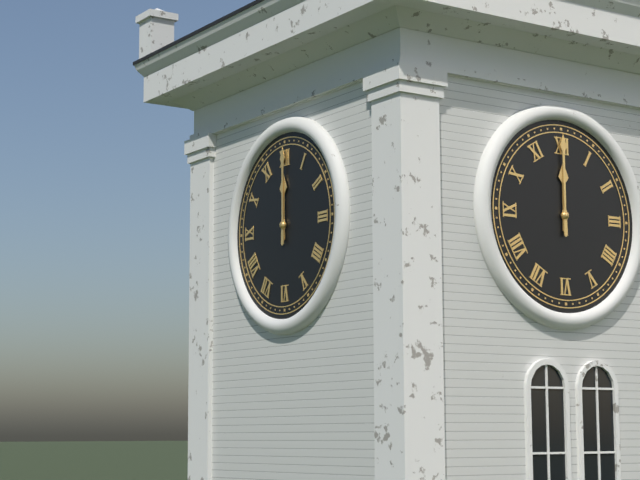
12:00
